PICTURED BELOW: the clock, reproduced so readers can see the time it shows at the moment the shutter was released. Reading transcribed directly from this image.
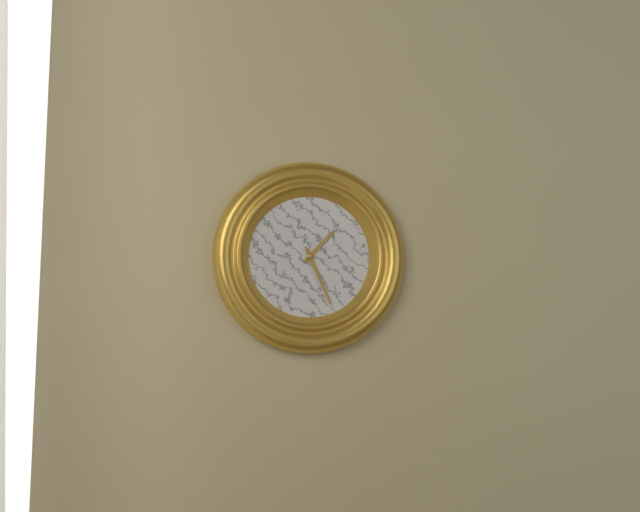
1:26
